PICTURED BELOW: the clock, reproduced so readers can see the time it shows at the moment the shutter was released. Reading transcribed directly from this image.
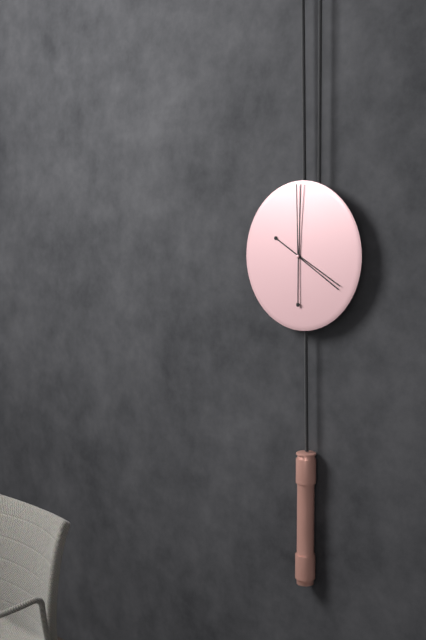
4:00
